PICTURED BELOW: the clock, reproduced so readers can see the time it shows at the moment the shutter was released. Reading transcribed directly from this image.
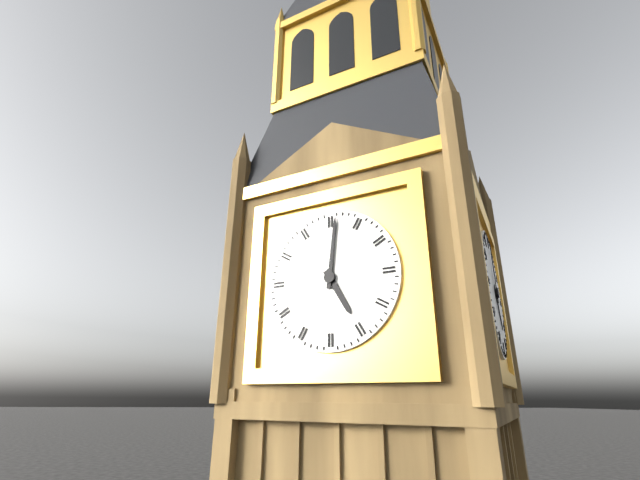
5:01
